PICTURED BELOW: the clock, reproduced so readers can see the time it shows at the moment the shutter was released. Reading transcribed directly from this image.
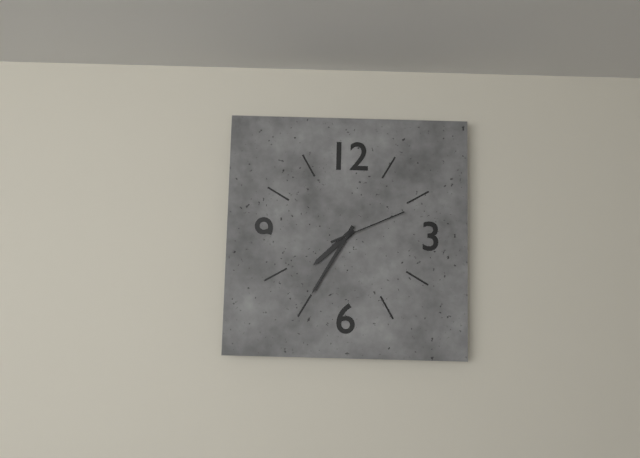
7:35:11
